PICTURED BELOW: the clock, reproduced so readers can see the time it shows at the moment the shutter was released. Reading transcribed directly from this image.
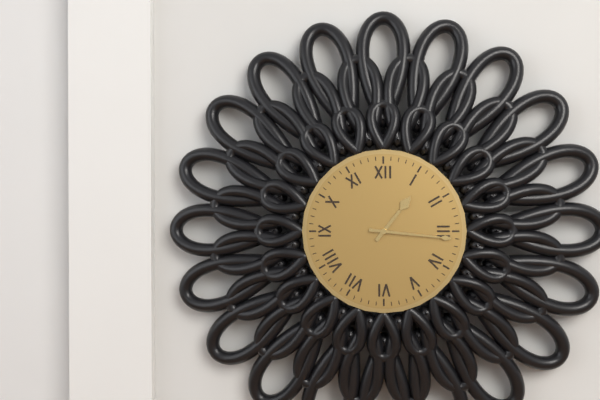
1:16
